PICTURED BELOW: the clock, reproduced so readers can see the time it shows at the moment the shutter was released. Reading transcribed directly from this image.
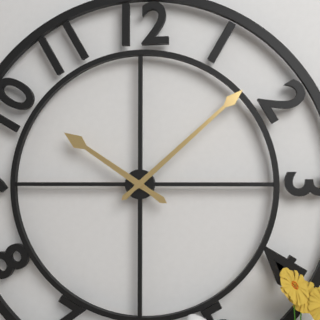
10:08
